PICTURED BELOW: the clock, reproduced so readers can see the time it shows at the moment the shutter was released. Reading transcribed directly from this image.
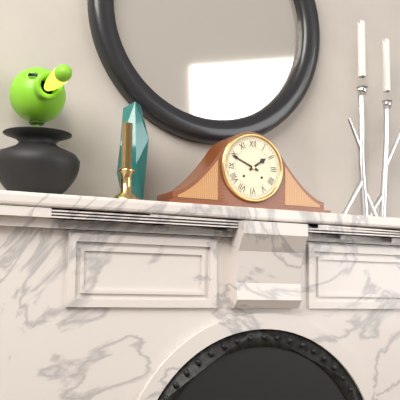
1:49
